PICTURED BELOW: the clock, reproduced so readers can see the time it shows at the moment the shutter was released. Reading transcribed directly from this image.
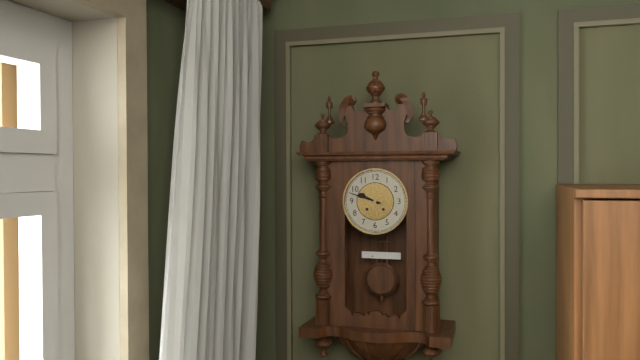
9:48
